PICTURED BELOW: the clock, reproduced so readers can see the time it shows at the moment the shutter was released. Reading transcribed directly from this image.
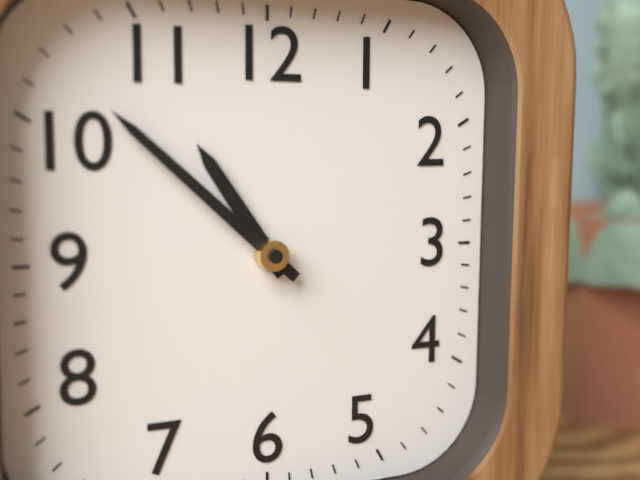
10:52
